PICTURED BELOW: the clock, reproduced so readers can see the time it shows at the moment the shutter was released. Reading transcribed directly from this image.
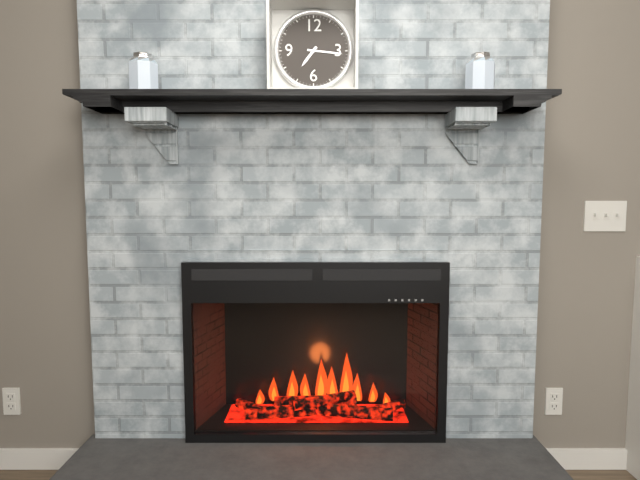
7:16
